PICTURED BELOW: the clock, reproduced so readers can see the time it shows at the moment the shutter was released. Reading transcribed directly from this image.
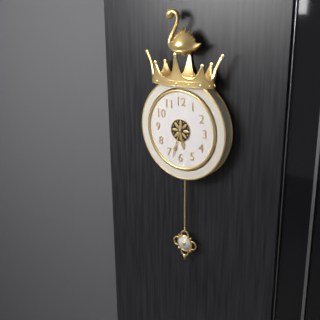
5:33
